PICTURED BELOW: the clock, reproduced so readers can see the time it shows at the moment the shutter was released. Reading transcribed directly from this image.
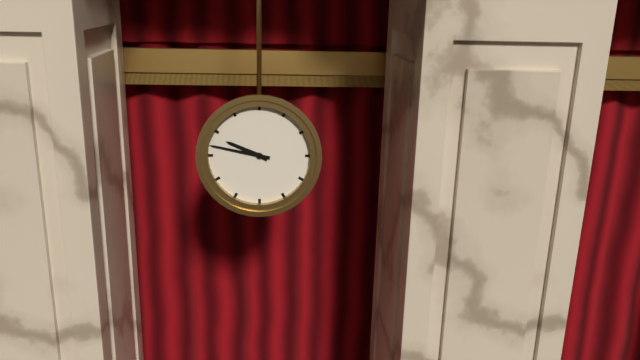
9:47
